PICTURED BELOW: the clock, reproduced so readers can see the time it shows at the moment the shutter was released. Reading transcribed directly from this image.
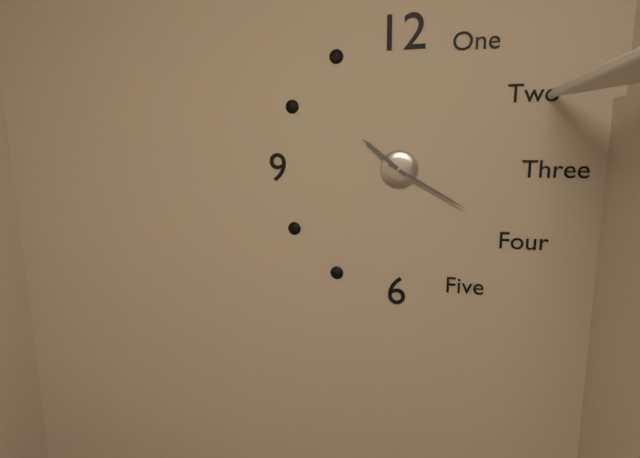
10:20
